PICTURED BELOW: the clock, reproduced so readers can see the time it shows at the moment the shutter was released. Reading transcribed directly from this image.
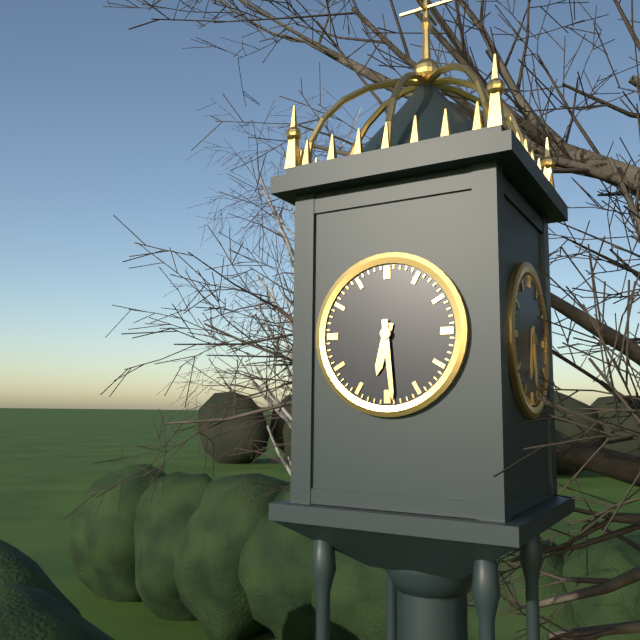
6:29
